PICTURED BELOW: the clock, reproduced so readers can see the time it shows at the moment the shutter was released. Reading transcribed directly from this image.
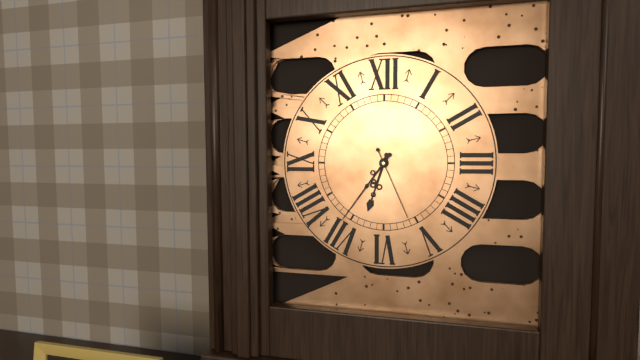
6:36:26
